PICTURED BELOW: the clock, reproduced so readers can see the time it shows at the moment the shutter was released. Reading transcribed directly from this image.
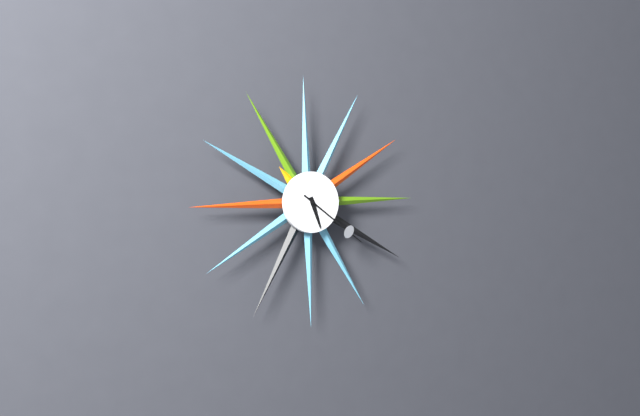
5:21
